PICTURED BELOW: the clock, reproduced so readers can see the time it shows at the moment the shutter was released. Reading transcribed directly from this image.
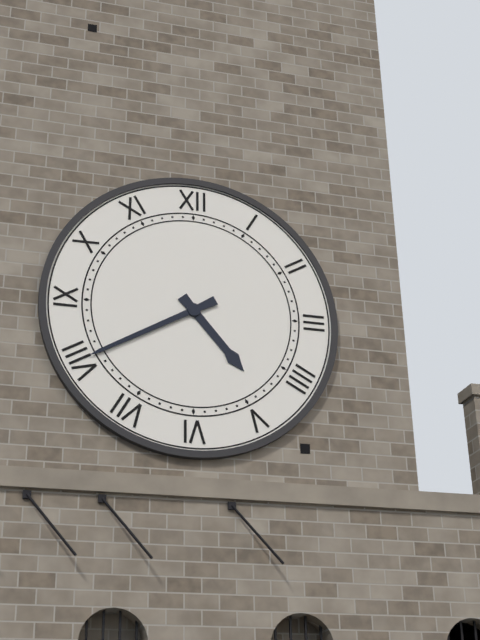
4:40
